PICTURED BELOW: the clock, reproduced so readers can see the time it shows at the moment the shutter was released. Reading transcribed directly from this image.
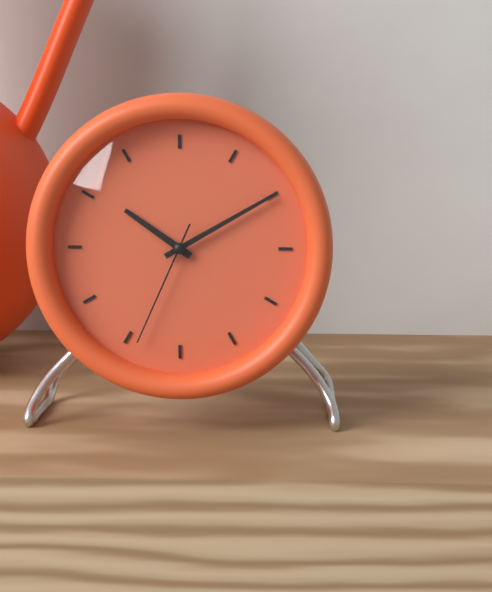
10:10:34
